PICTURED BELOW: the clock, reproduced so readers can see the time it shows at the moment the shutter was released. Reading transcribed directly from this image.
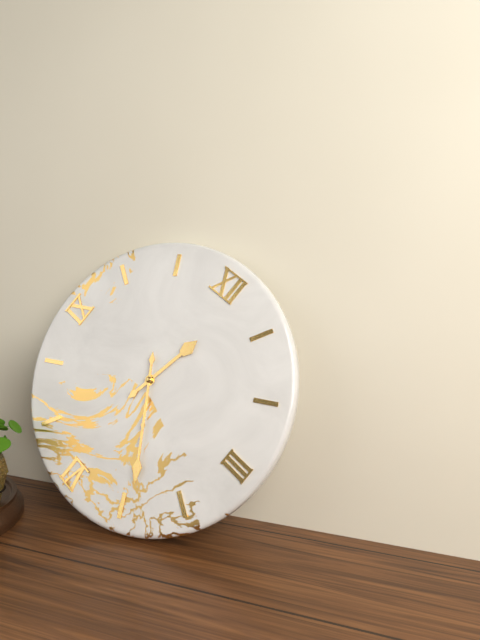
12:24
